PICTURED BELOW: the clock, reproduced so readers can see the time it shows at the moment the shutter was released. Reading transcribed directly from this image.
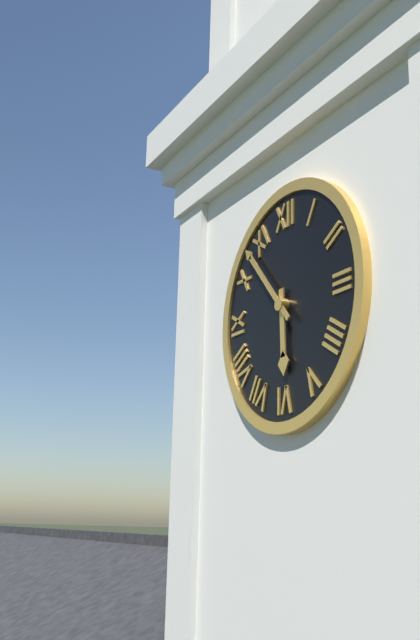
5:53
